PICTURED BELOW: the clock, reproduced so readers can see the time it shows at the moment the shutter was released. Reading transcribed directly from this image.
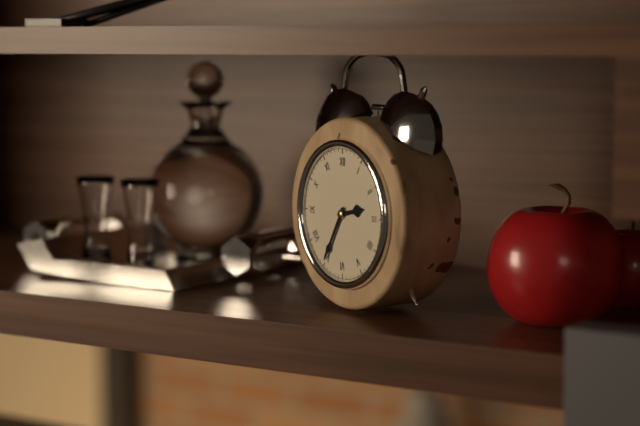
2:35
